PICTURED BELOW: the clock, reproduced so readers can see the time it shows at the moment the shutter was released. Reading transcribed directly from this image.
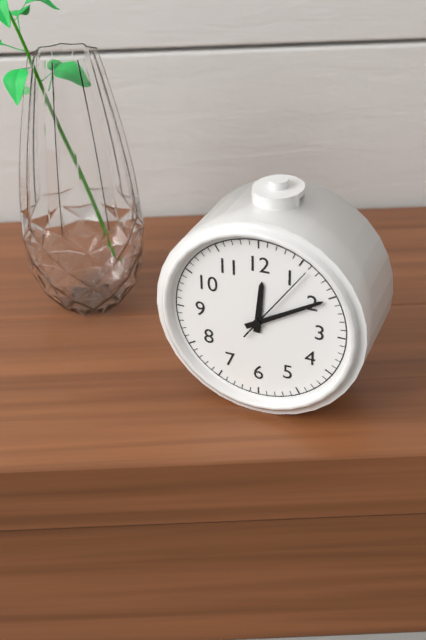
12:10:06
